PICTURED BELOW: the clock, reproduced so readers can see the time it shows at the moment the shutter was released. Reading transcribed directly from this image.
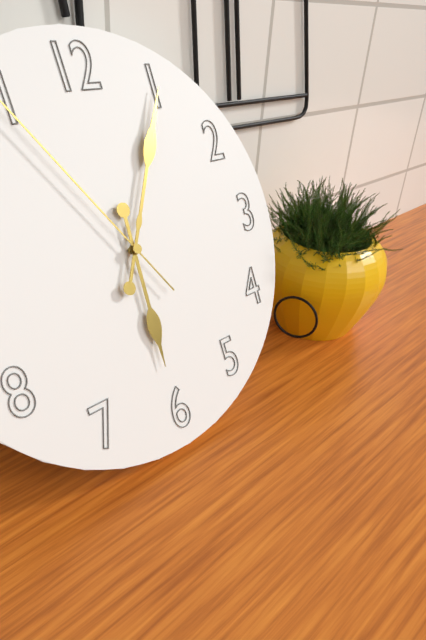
6:05
